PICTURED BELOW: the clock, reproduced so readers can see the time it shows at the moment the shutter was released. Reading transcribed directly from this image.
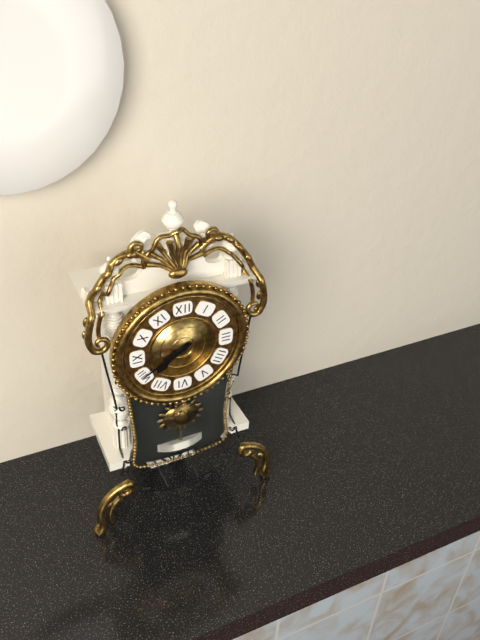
7:40
